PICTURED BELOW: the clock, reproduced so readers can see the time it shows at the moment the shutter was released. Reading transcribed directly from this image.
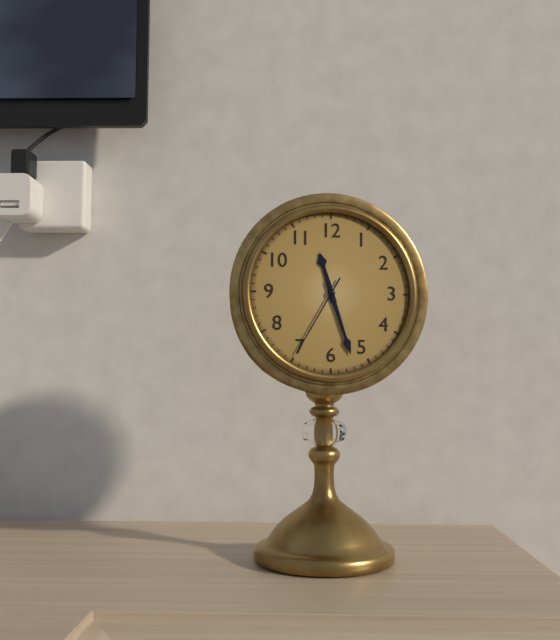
11:27:35
